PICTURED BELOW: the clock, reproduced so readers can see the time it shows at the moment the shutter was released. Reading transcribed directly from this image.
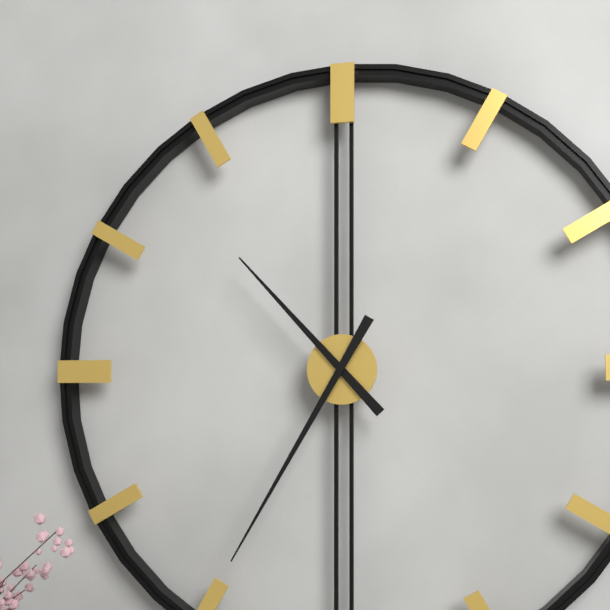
10:35
